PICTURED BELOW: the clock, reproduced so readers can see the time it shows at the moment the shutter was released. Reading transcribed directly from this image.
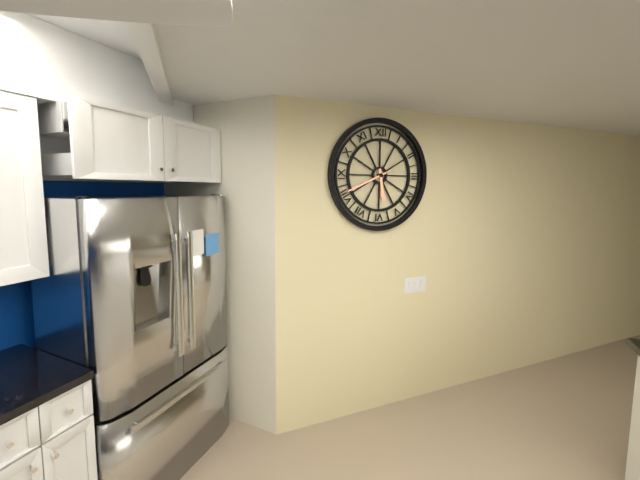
5:41
